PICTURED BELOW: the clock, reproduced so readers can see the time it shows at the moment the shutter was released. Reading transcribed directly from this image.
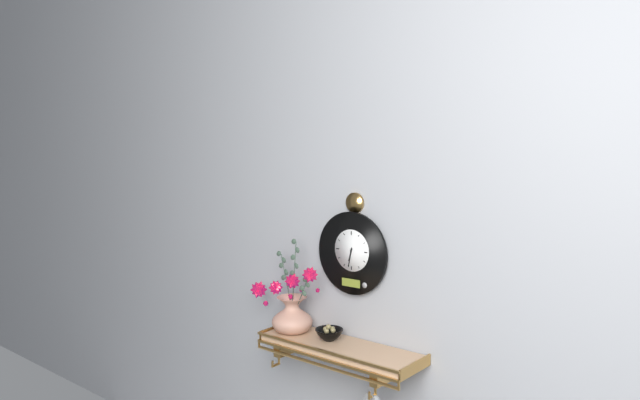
6:32
